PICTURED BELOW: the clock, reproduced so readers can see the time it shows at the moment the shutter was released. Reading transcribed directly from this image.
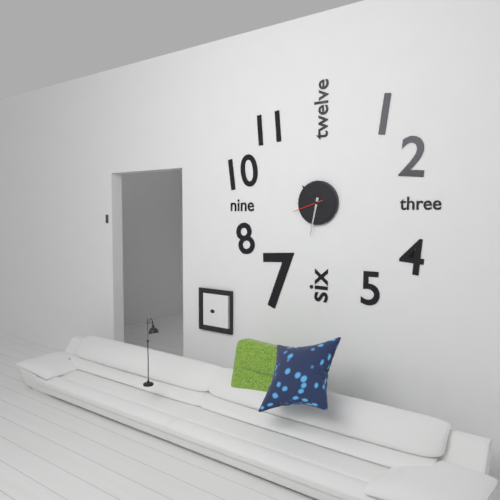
10:32
